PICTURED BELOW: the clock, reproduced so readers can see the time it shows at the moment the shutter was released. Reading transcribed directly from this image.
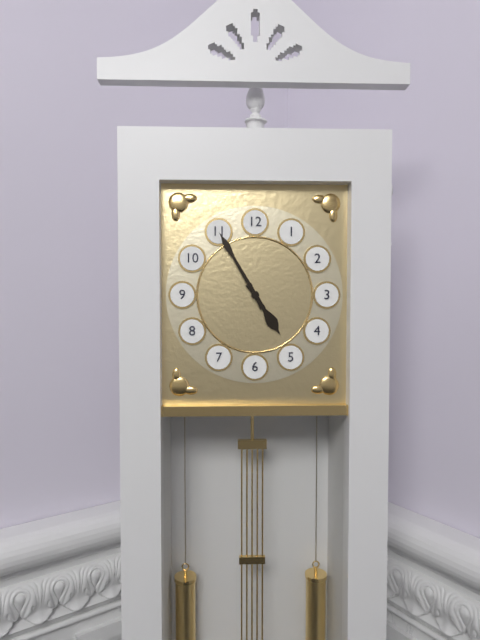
4:55
